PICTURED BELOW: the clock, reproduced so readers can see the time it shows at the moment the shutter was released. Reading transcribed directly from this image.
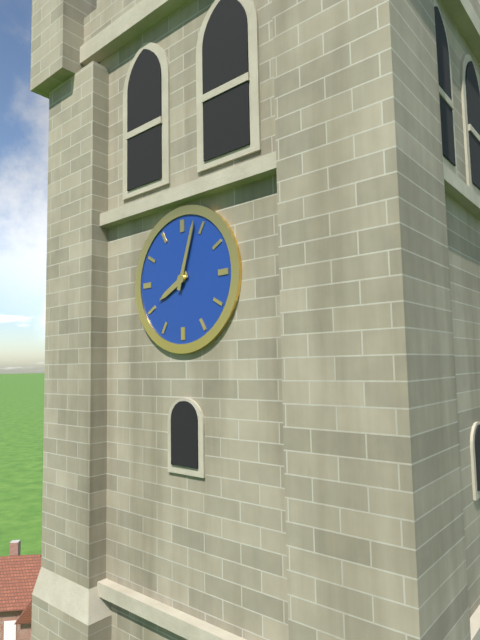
8:03
